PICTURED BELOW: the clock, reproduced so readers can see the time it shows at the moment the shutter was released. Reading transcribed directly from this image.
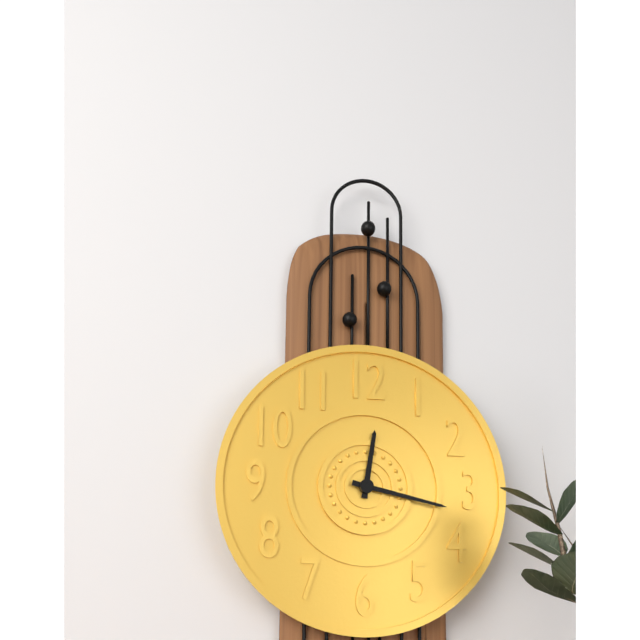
12:17
